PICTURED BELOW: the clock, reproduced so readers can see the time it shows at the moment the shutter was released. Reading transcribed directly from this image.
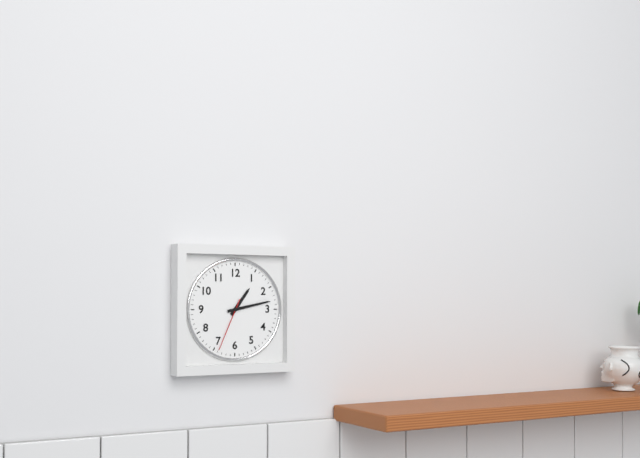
1:13:34
